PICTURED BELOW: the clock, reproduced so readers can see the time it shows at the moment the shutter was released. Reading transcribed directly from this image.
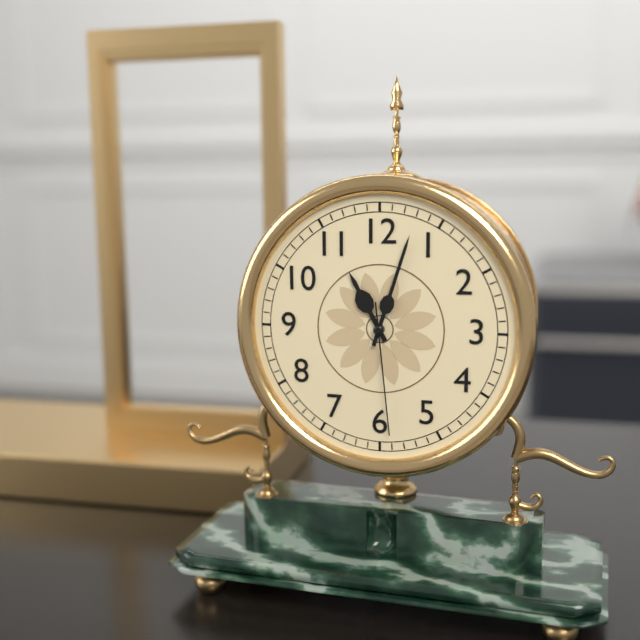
11:03:29
